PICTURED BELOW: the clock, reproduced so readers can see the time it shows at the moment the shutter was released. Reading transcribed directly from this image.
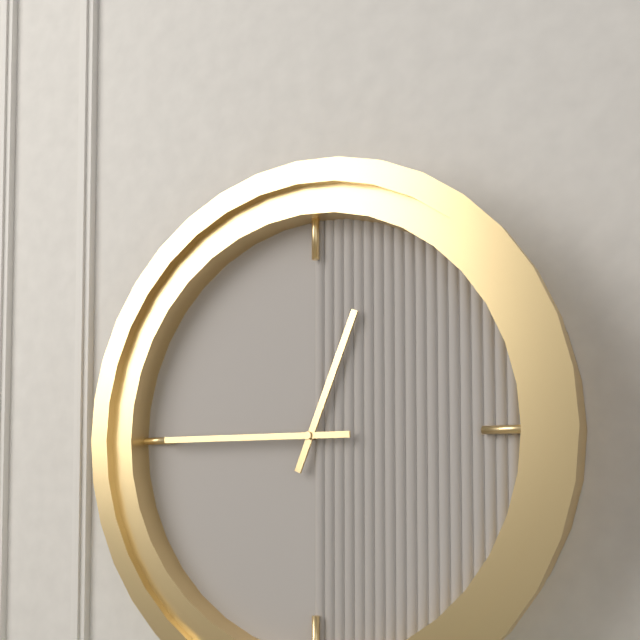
12:45
